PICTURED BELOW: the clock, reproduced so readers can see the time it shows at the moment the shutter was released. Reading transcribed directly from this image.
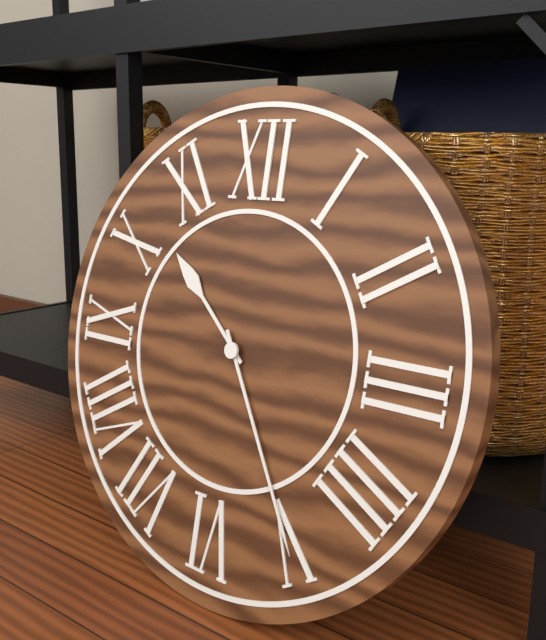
10:25
